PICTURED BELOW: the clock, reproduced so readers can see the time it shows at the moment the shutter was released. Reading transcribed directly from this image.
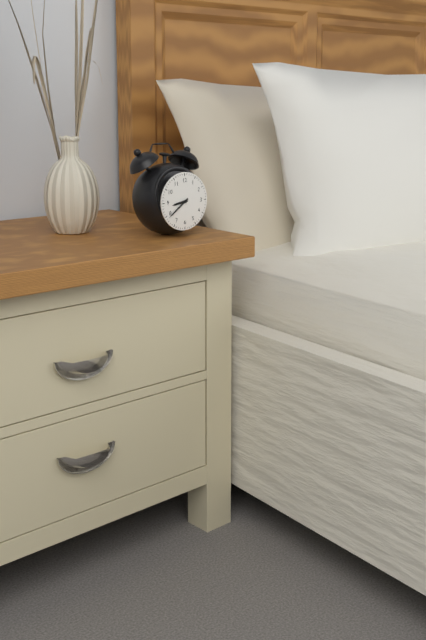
8:39
